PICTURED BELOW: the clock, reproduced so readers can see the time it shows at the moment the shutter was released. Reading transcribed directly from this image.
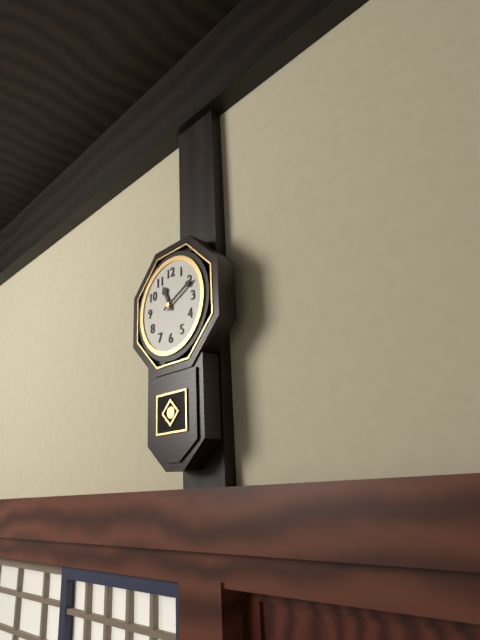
11:11
